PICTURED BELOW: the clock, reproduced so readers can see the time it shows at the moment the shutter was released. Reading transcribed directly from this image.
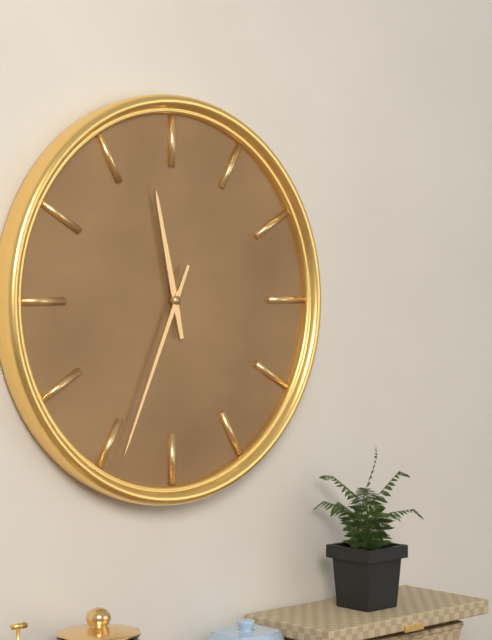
11:34
